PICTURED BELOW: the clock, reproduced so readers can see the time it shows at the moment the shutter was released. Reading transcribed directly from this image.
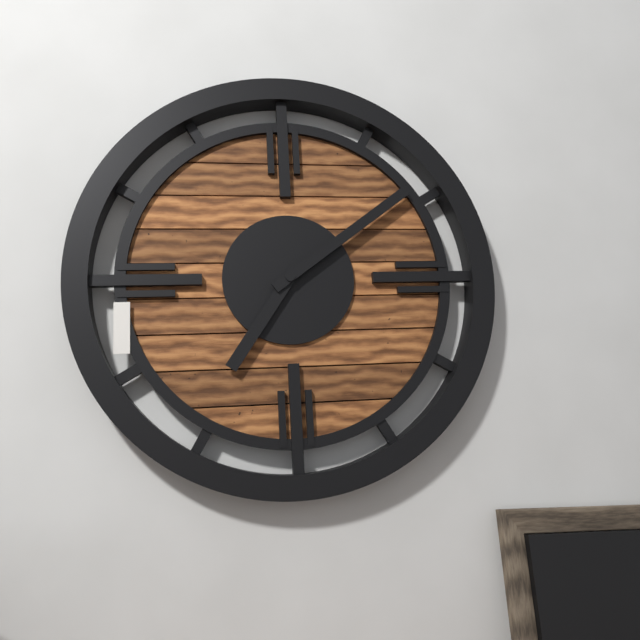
7:09
